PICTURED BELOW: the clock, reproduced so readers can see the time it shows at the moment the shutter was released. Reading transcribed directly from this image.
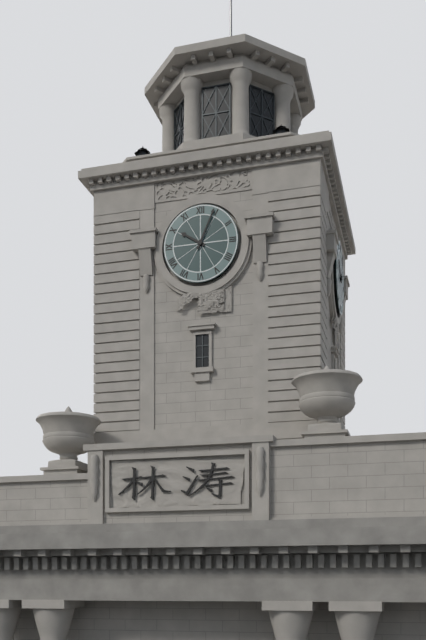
10:04
